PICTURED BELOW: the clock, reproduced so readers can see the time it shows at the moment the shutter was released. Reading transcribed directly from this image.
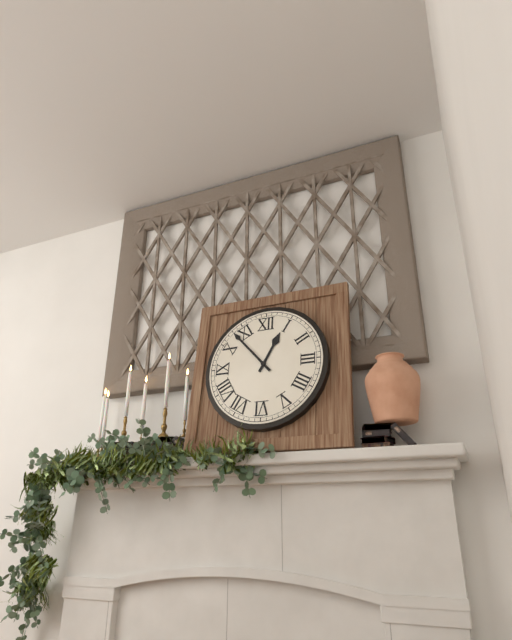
12:53
